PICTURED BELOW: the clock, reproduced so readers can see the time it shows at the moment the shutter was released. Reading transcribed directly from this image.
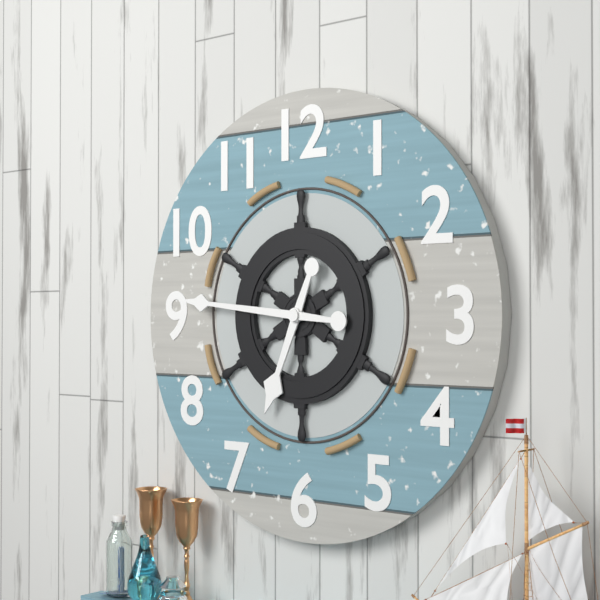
6:46
